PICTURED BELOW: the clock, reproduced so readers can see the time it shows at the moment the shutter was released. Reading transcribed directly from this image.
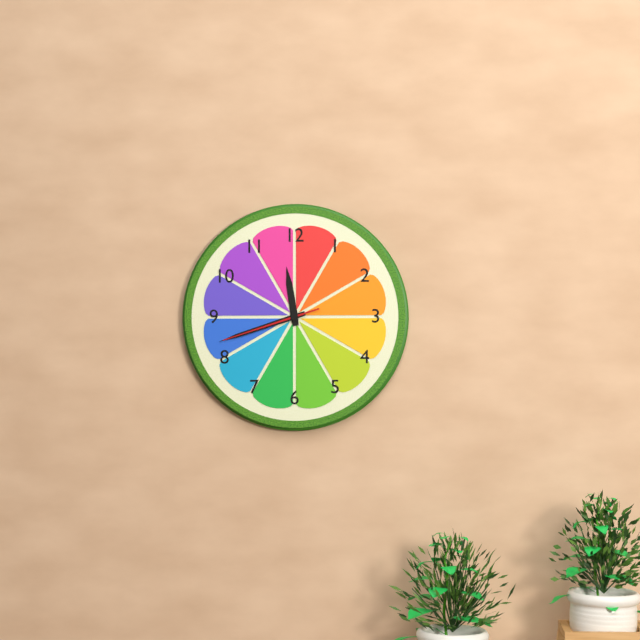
11:42:42
